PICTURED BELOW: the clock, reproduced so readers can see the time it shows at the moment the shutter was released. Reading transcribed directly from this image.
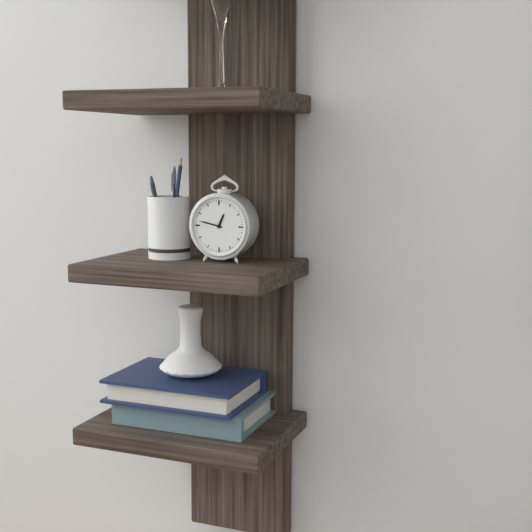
12:47
